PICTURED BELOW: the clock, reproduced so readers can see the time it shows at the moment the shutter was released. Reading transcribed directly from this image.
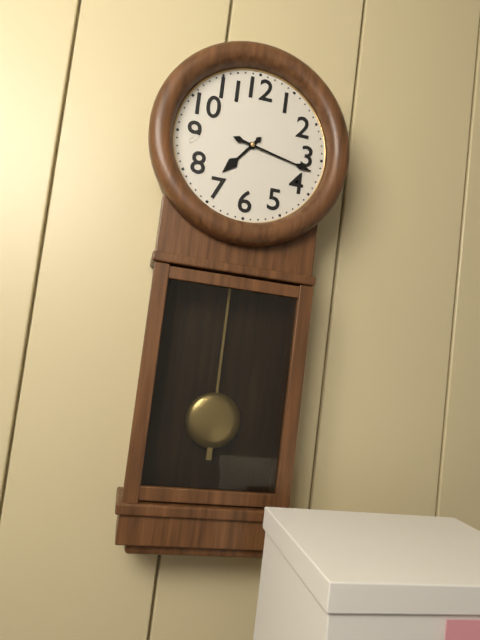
7:17
